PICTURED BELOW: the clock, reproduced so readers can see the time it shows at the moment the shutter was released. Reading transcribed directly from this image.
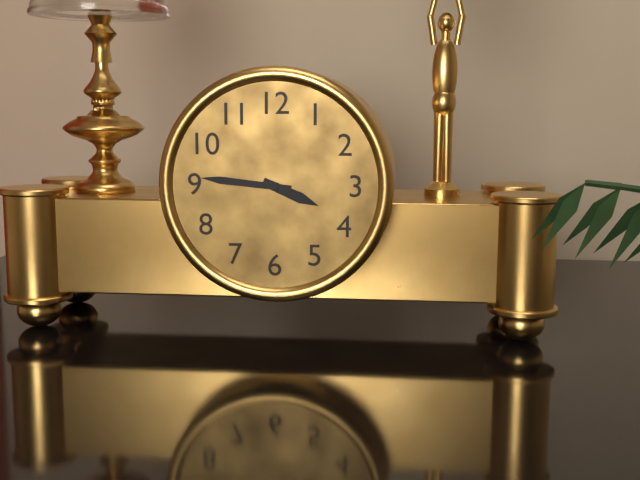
3:46
